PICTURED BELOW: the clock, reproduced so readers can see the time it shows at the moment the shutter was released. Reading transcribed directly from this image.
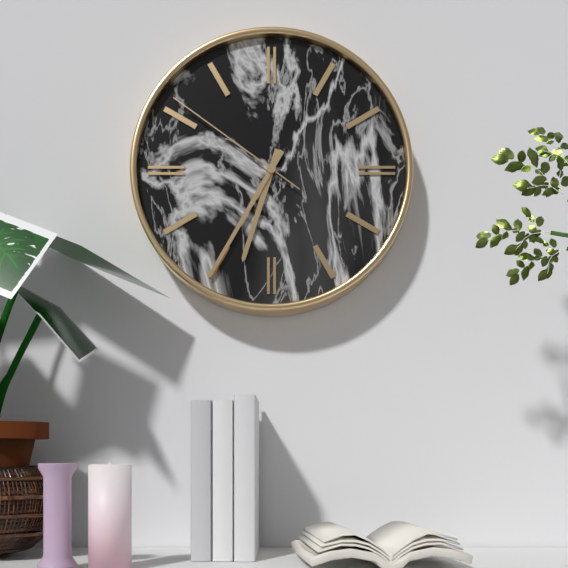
6:35:51
